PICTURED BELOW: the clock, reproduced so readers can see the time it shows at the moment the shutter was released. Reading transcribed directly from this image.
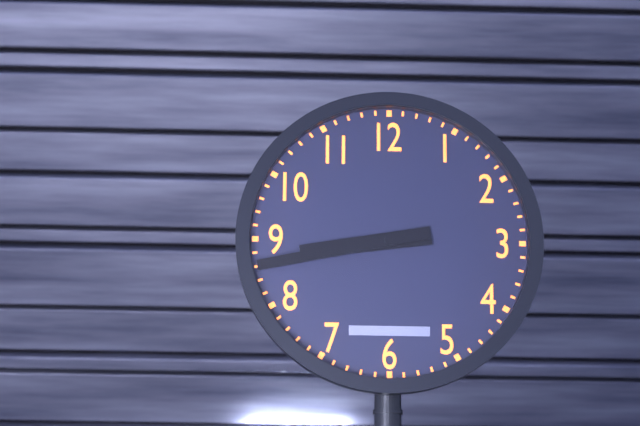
8:43
